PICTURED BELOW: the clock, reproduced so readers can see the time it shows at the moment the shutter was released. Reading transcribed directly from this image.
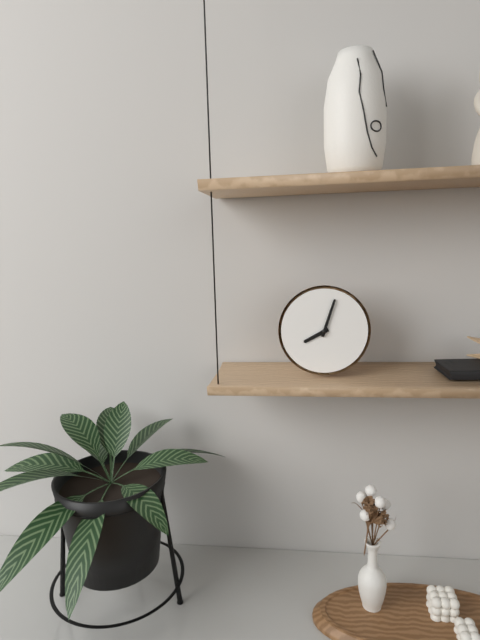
8:03
